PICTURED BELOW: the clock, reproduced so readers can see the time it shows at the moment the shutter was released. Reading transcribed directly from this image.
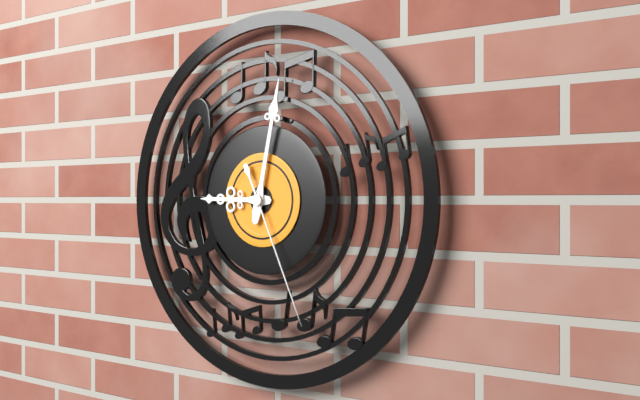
9:02:26
